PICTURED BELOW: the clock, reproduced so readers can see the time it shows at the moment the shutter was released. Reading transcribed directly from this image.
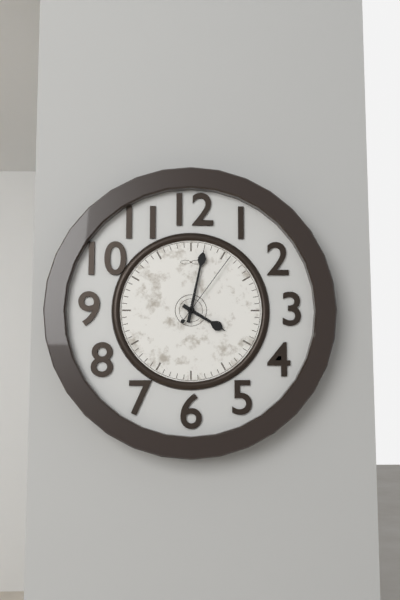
4:02:06
